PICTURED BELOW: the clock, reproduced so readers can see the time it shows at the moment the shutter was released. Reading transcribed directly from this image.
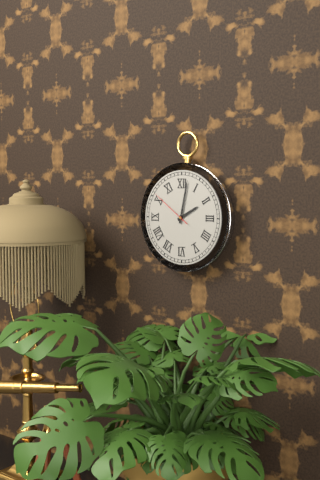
2:02
